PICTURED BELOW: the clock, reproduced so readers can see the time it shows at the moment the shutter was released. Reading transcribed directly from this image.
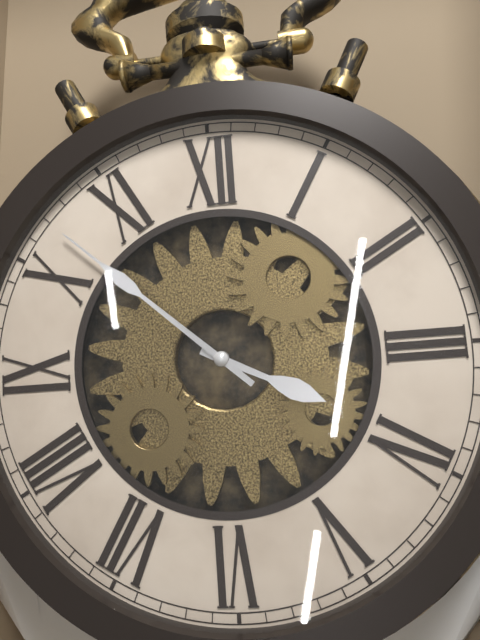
3:52
